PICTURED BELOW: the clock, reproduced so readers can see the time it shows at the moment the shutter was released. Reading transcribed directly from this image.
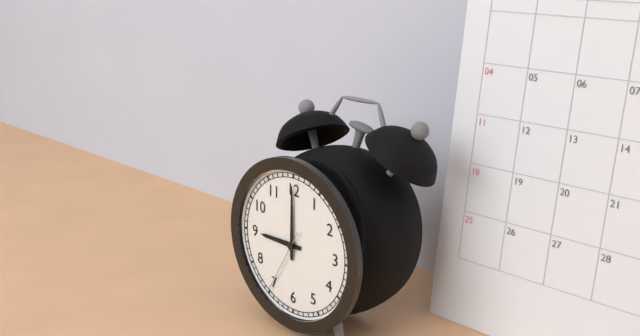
9:00:35
